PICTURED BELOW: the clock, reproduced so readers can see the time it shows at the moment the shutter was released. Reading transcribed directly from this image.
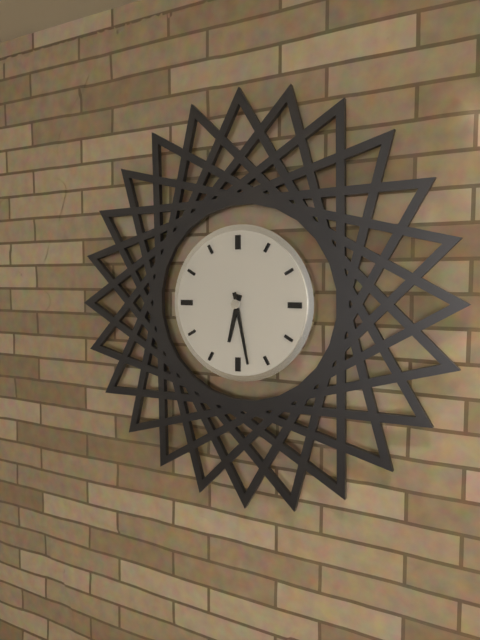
6:28
